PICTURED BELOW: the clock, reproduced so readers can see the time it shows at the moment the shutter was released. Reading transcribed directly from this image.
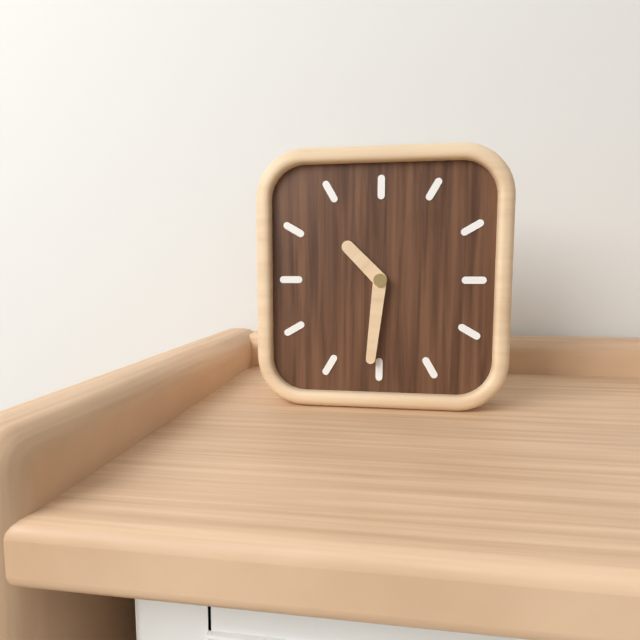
10:31
